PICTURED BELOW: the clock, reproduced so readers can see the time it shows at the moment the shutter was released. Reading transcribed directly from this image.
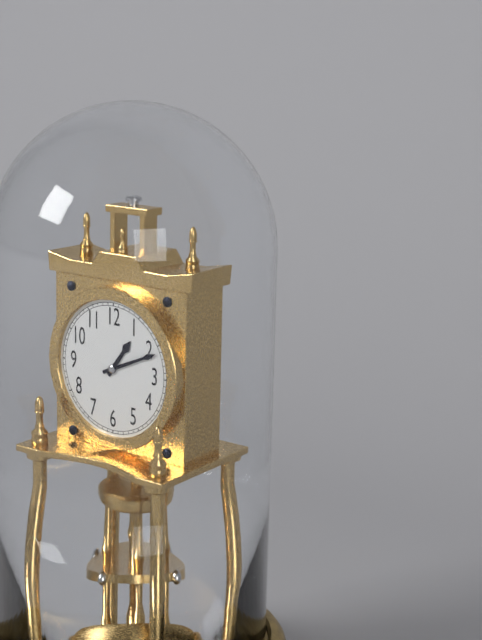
1:11
